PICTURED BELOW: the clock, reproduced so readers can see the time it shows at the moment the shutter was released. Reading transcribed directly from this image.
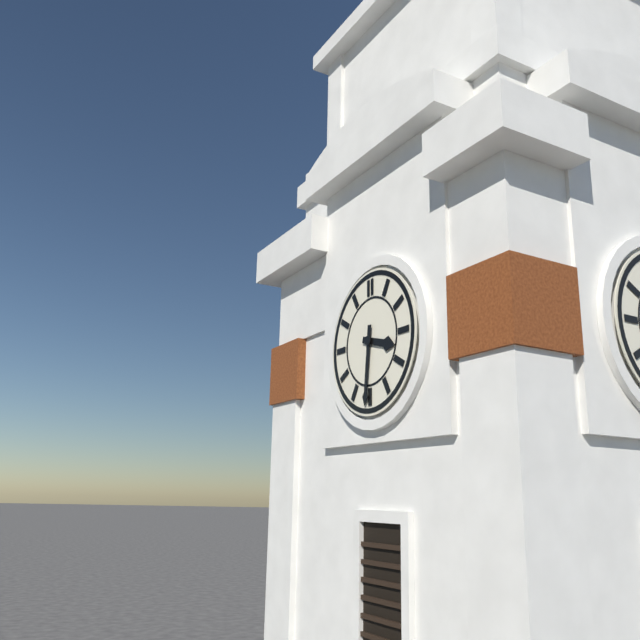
3:31
